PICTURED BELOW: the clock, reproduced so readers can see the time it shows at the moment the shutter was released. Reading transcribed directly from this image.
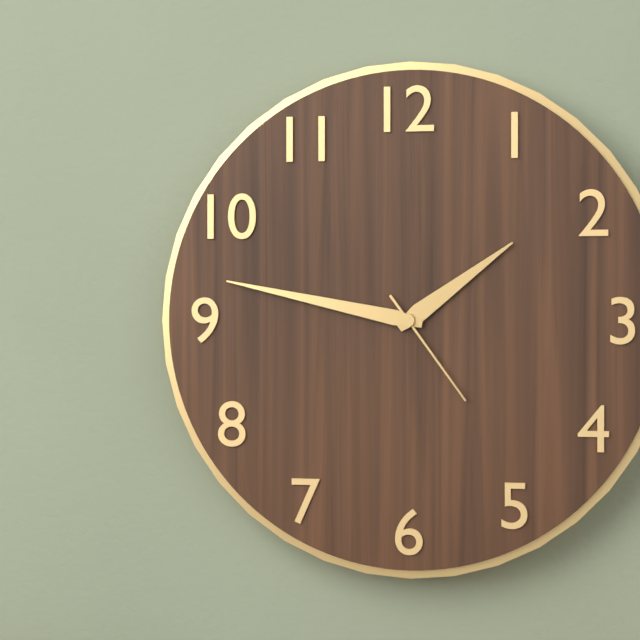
1:47:24
